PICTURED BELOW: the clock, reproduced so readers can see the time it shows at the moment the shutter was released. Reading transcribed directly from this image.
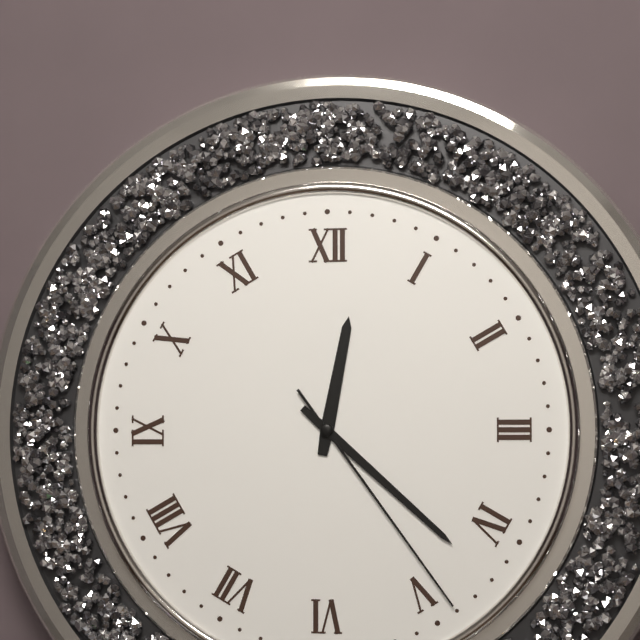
12:22:24
